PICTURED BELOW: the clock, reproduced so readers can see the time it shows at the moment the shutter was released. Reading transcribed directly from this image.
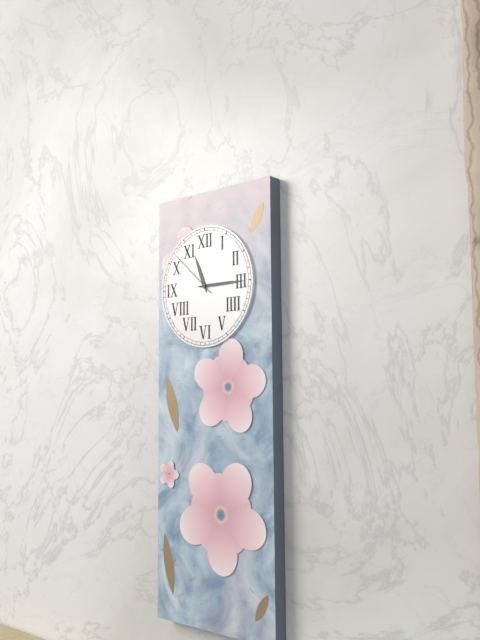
11:15:52
